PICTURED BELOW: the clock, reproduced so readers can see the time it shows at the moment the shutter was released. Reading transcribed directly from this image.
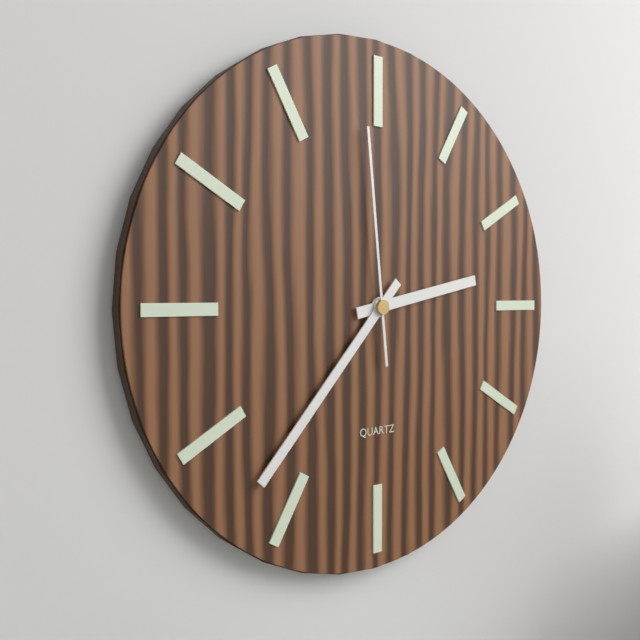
2:37:59
